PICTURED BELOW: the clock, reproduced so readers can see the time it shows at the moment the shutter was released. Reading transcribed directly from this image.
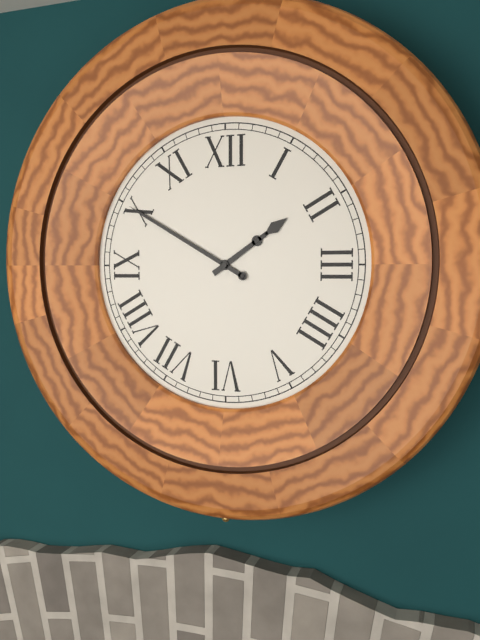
1:50
